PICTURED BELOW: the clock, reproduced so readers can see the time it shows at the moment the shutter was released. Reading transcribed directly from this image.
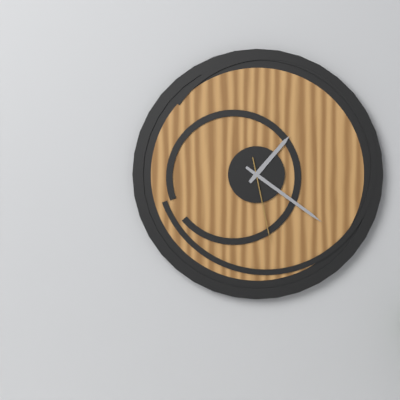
1:21:28
